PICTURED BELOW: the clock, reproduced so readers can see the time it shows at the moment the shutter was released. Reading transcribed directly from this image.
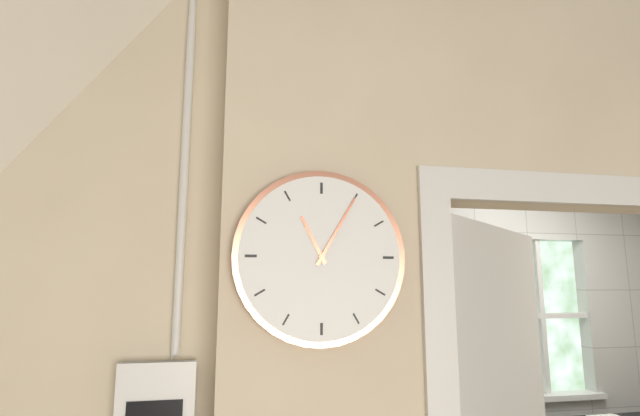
11:05
